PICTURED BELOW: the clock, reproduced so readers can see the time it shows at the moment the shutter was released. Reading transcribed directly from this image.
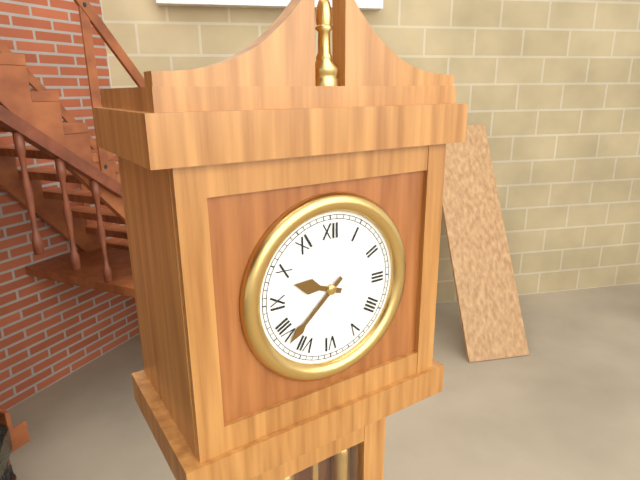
9:38
